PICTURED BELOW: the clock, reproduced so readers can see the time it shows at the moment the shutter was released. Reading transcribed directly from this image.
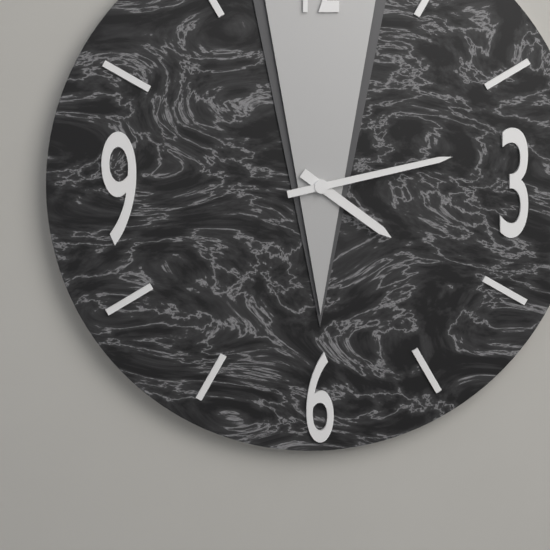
4:13
